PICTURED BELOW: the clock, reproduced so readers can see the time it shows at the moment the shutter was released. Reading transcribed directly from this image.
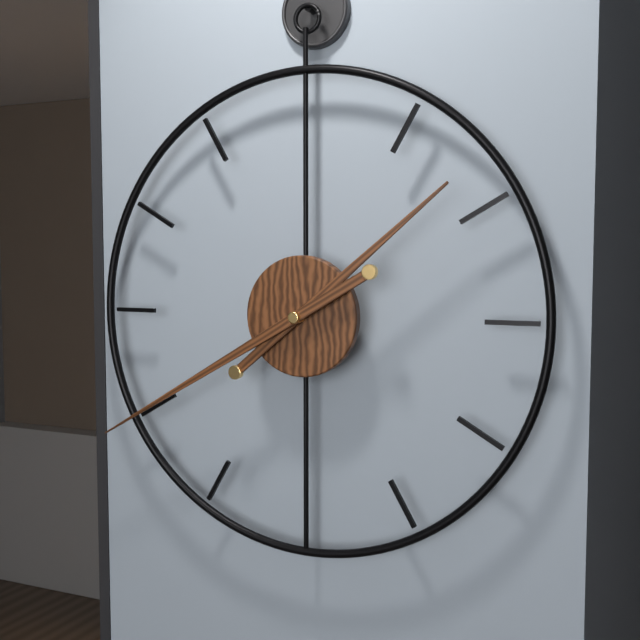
1:40
